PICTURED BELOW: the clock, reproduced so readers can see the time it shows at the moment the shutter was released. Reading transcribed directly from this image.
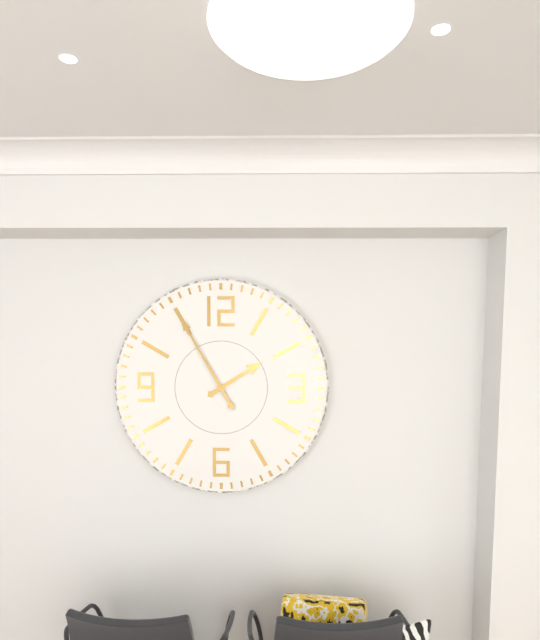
1:55
